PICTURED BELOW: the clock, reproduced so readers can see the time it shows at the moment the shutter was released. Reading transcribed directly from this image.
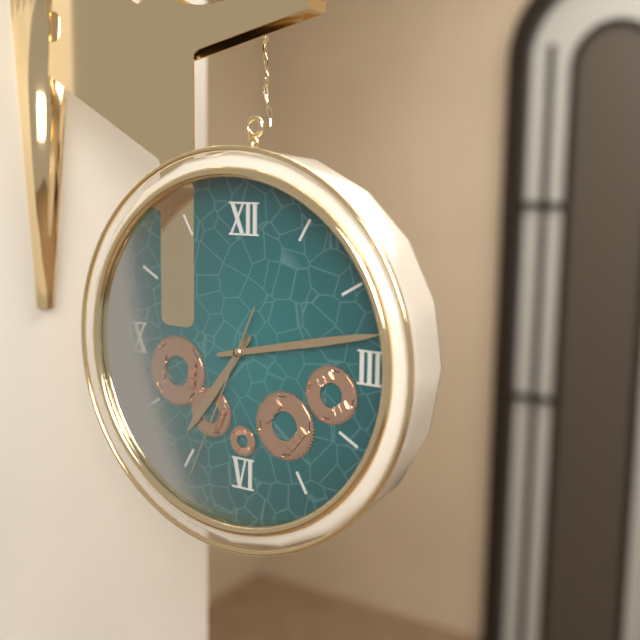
7:13:34
